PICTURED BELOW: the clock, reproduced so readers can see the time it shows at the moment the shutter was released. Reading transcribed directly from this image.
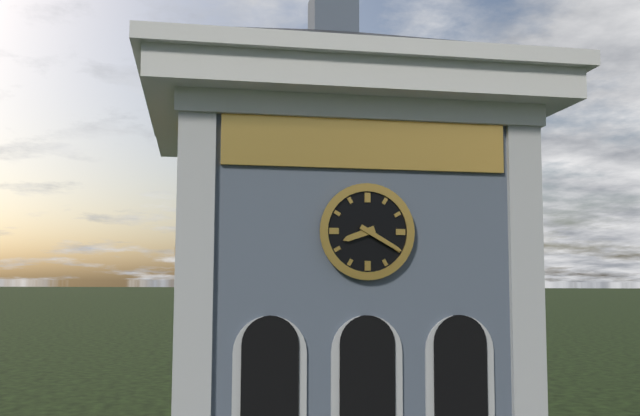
8:20
